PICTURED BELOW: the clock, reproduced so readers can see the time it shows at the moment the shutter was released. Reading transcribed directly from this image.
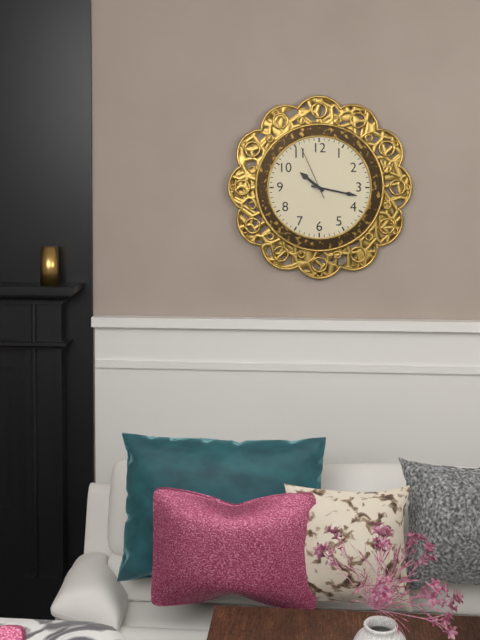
10:17:56
